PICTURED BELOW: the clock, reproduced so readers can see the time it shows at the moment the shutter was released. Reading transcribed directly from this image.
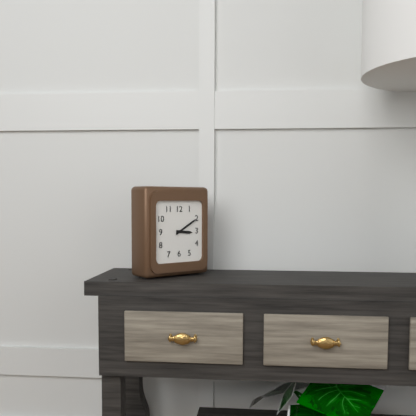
3:10
